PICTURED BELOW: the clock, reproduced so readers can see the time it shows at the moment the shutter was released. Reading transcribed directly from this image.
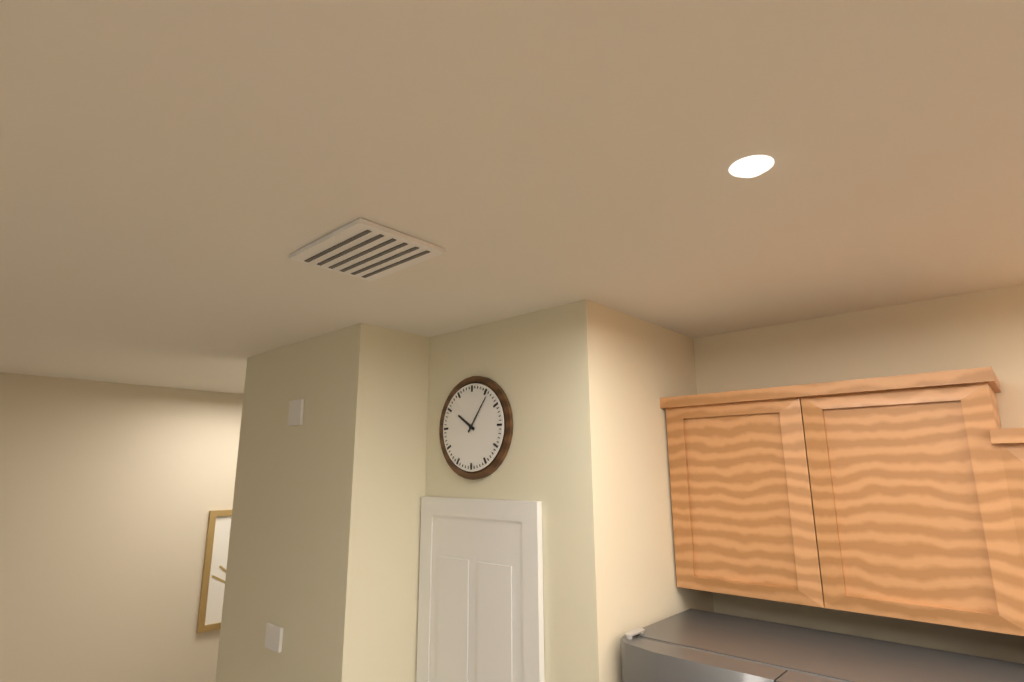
10:06
